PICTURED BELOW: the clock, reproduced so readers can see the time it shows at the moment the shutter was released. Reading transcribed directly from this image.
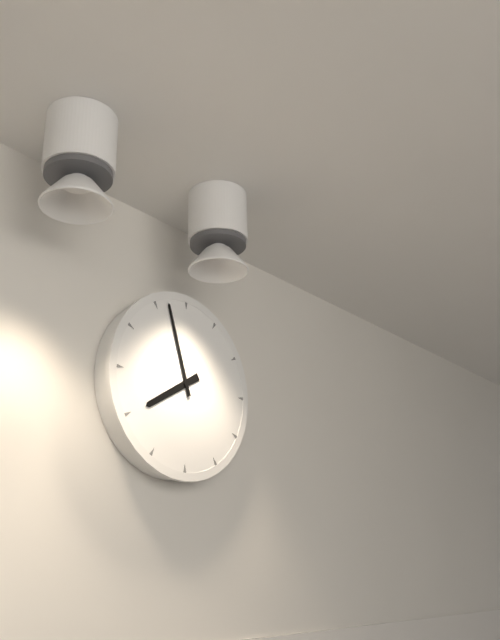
7:57
